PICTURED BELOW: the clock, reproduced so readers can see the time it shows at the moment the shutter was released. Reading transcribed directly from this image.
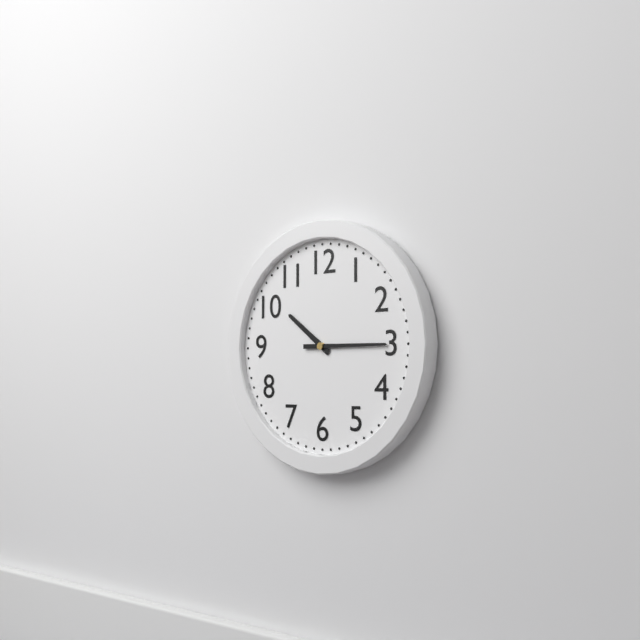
10:15
